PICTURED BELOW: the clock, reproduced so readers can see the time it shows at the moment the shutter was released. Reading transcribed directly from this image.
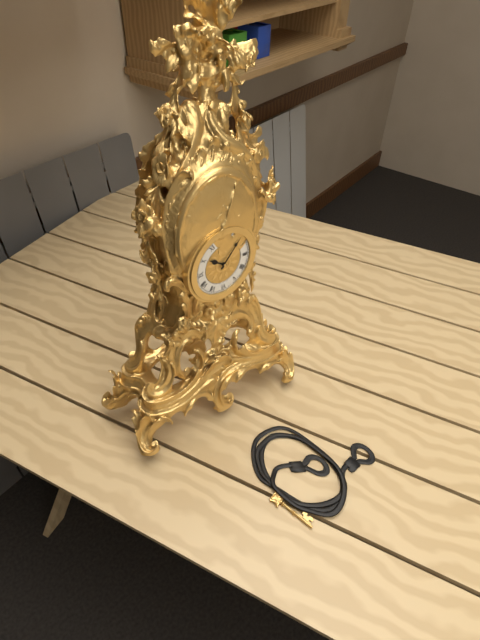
10:07
